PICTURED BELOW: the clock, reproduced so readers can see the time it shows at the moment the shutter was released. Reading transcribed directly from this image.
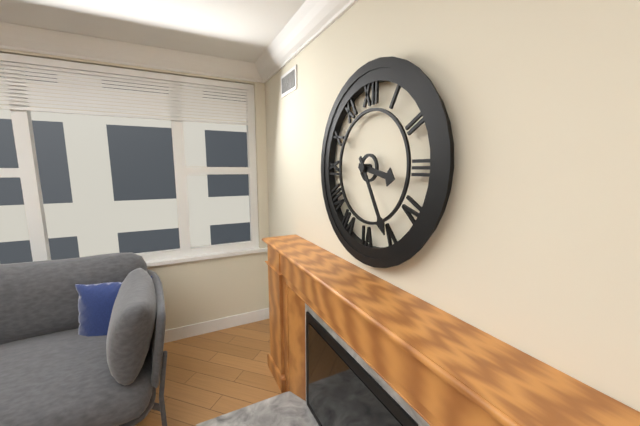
3:25
